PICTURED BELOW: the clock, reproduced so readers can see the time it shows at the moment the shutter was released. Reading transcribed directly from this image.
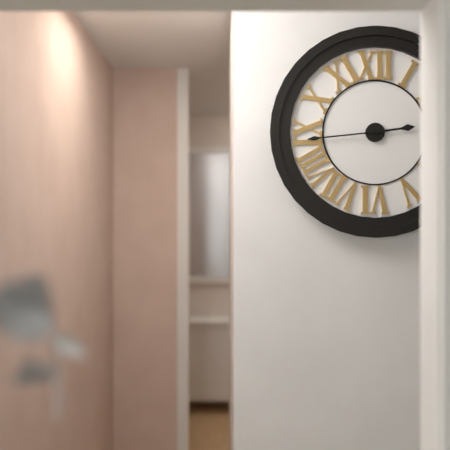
2:44
